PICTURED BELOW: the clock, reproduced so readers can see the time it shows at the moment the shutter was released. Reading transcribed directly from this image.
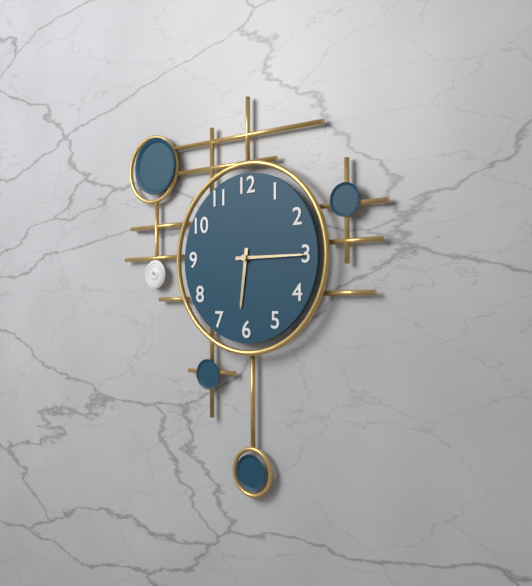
6:15
